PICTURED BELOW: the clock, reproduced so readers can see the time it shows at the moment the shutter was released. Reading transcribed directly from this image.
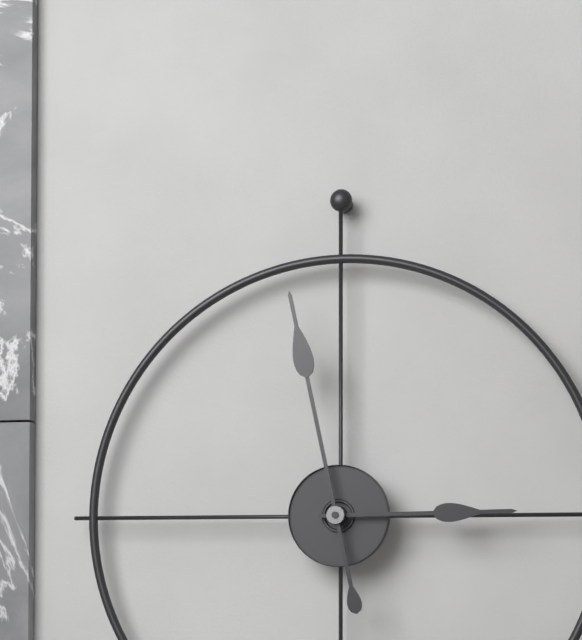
2:58
